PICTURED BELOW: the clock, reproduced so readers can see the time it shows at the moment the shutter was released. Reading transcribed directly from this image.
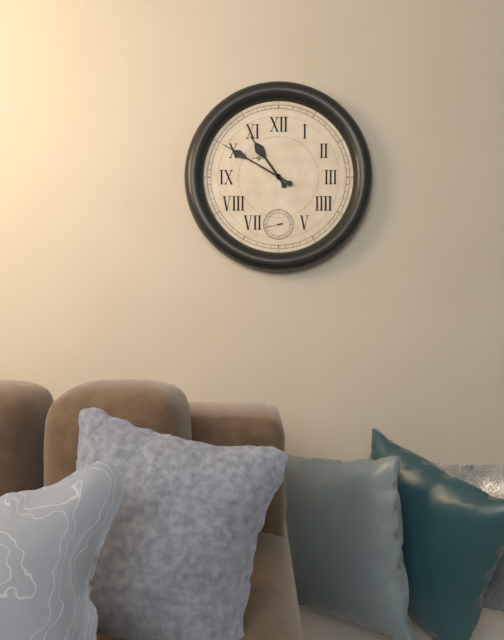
10:50
